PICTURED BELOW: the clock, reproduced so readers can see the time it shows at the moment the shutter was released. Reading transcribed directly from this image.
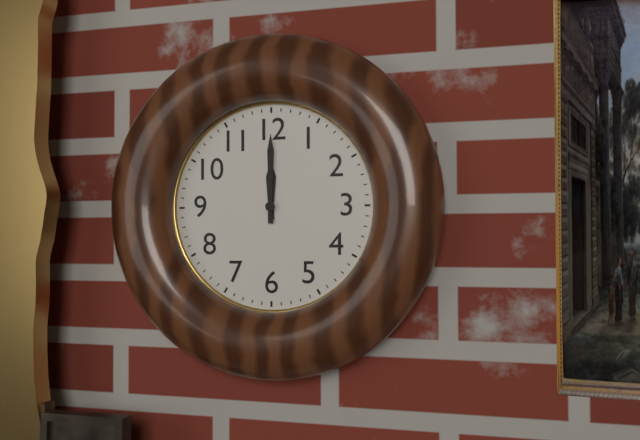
12:00
